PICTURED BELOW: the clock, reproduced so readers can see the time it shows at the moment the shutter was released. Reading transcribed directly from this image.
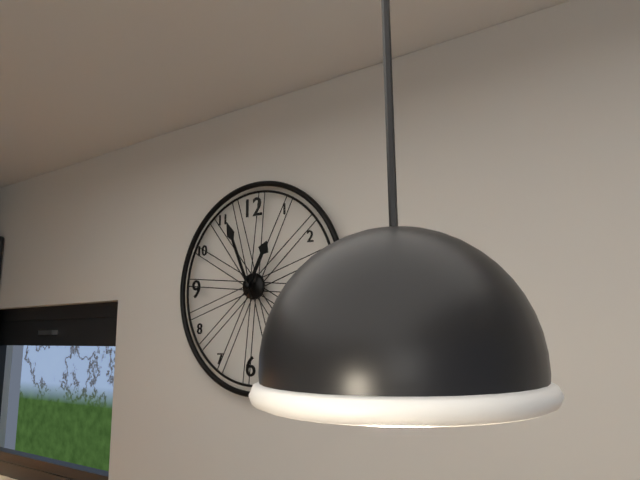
12:56
